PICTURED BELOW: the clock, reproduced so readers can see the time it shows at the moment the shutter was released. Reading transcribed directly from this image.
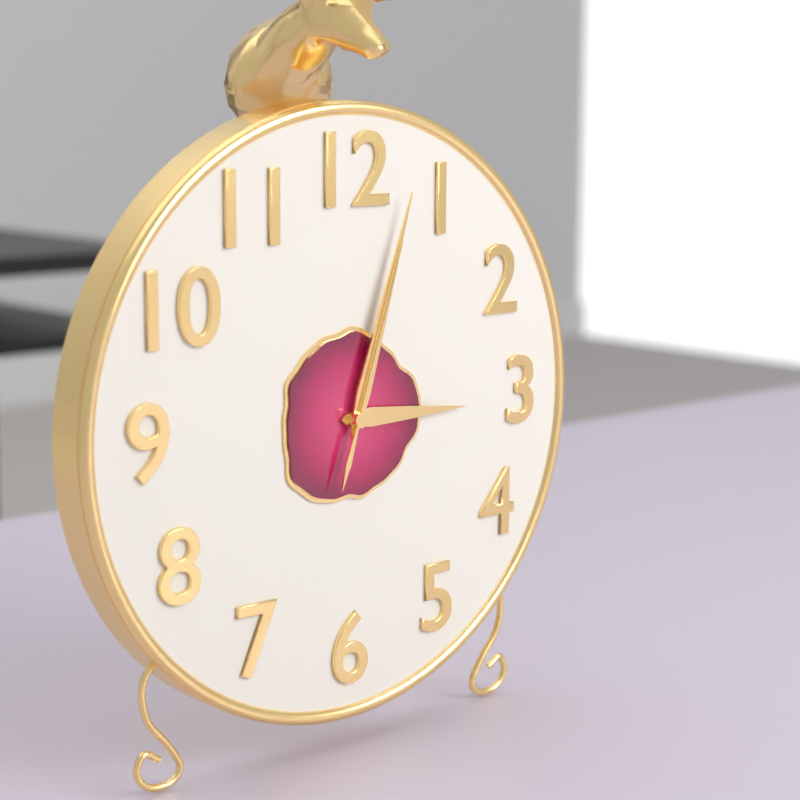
3:03:03
